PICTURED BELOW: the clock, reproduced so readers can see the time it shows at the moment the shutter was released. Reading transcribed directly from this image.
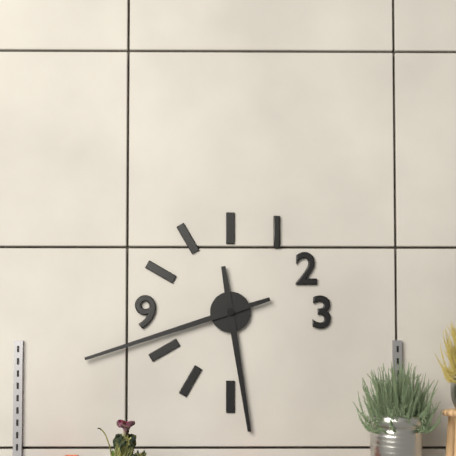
5:42
